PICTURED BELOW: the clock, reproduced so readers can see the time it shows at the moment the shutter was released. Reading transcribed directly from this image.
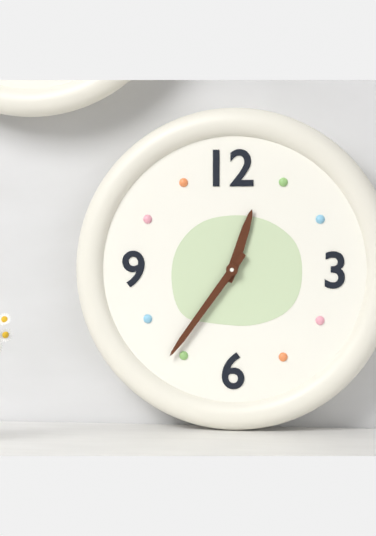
12:36
